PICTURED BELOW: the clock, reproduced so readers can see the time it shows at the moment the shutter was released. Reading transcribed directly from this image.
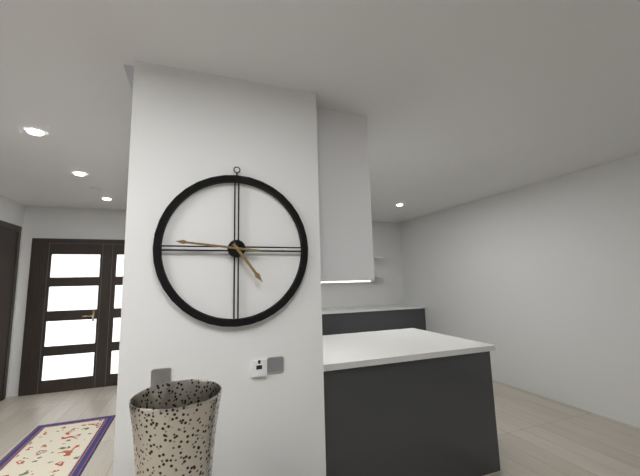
4:46
